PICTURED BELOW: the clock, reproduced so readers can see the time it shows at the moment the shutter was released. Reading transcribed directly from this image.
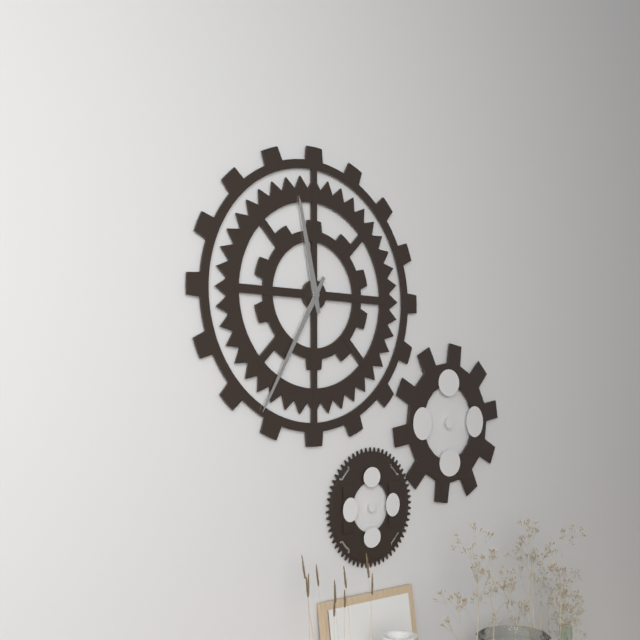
11:35
